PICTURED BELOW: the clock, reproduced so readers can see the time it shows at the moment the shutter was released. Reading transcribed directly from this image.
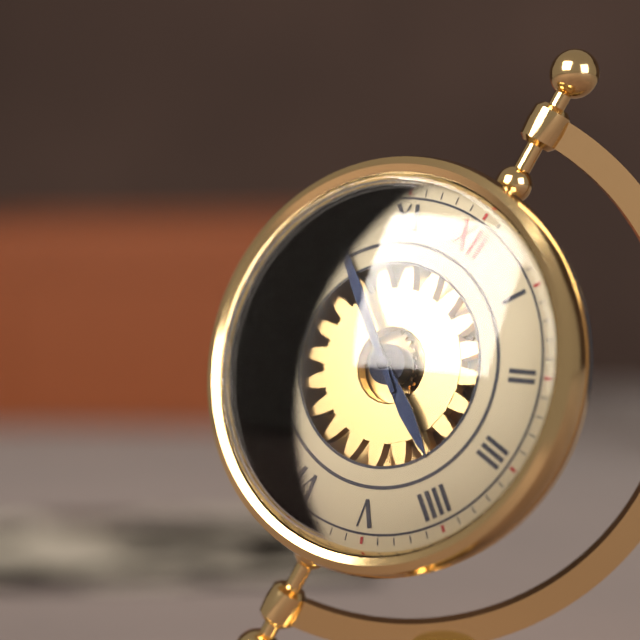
3:50
